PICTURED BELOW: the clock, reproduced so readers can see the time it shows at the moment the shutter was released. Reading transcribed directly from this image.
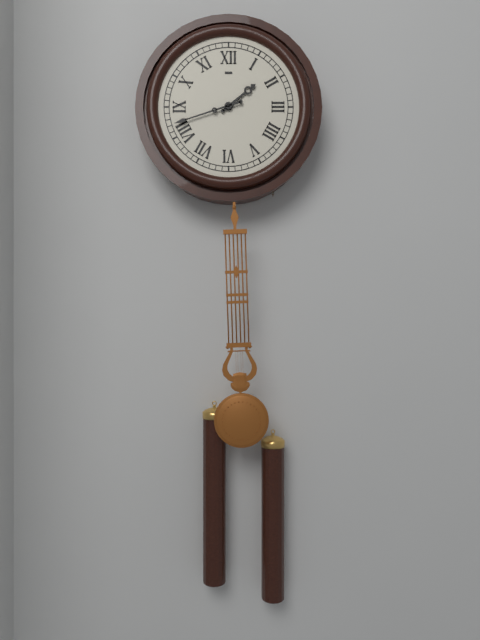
1:42
